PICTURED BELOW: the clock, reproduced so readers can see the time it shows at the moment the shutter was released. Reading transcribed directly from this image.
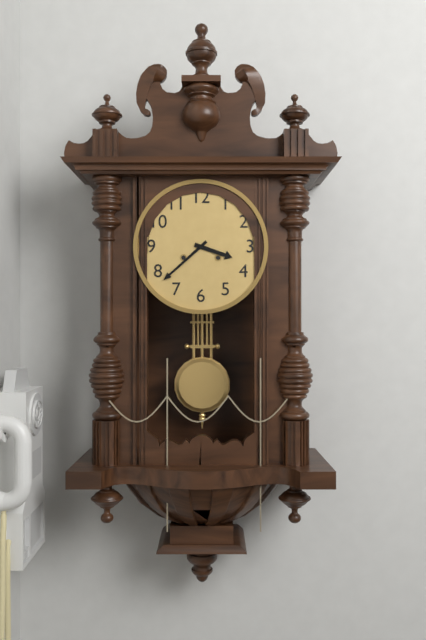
3:38
